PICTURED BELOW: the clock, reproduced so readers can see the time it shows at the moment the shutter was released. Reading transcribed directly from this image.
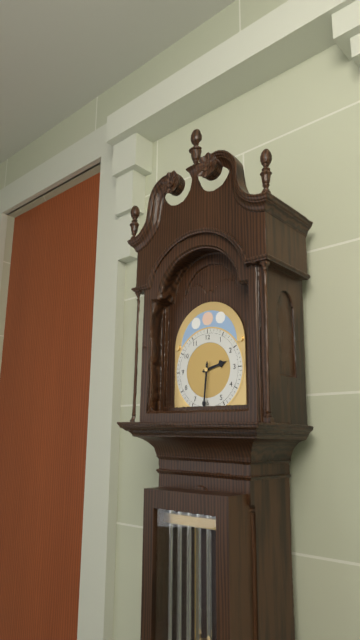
2:31
